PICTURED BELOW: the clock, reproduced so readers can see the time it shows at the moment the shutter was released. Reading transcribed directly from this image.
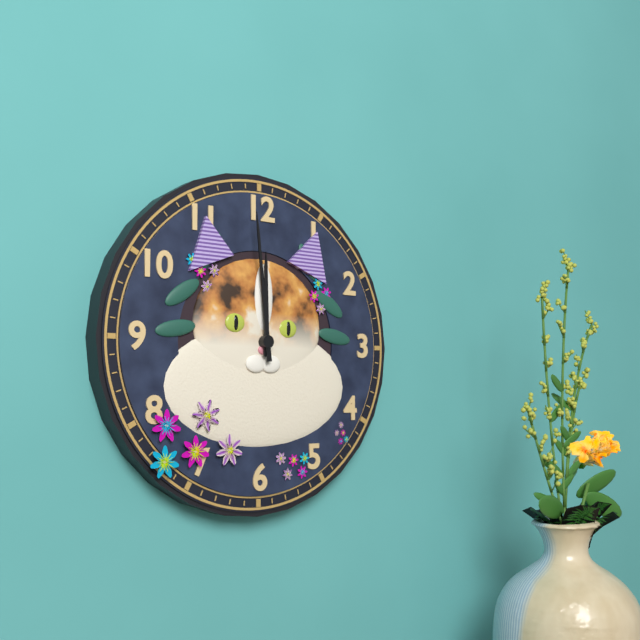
11:59
